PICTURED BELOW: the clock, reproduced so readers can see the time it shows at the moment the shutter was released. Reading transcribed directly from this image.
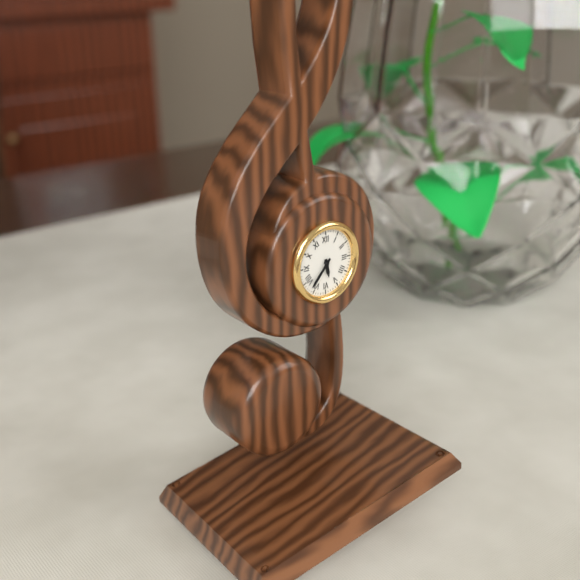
5:37
